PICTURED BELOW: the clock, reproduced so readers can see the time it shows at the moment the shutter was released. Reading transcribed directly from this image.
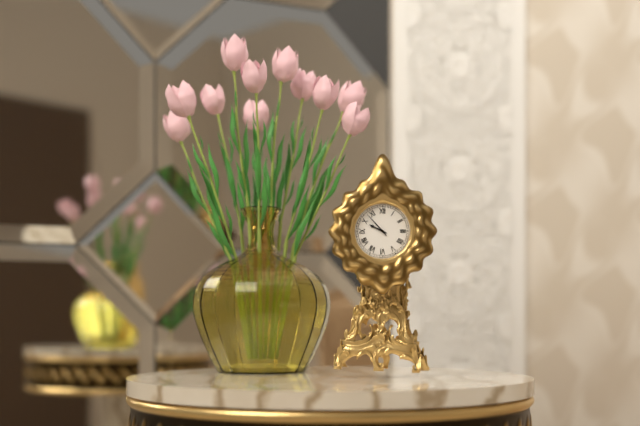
9:53
